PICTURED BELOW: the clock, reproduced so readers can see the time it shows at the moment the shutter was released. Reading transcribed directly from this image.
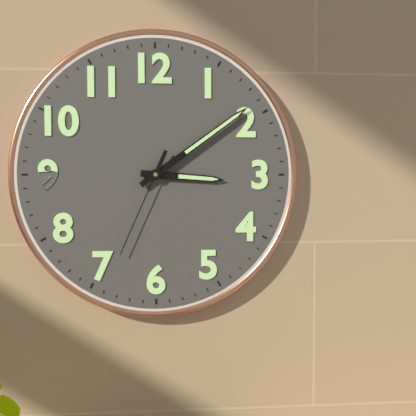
3:09:34
